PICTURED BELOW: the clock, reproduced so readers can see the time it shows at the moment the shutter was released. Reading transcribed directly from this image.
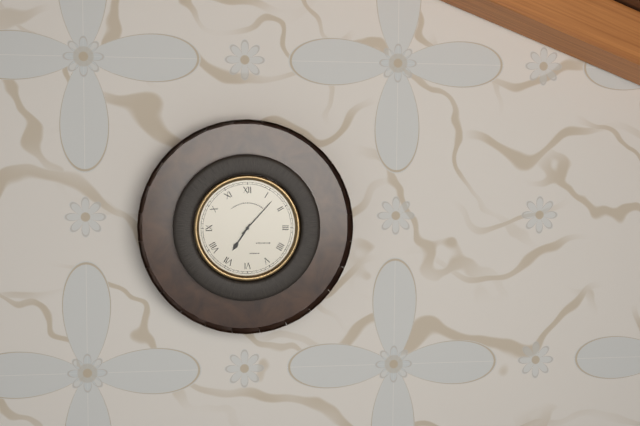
7:07
